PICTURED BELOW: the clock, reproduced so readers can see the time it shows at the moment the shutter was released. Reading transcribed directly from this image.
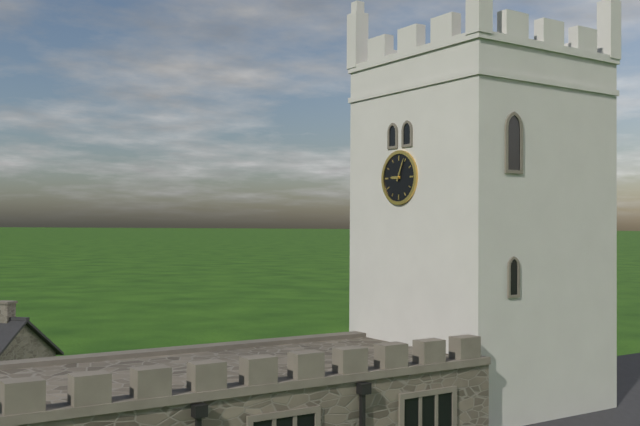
9:04
